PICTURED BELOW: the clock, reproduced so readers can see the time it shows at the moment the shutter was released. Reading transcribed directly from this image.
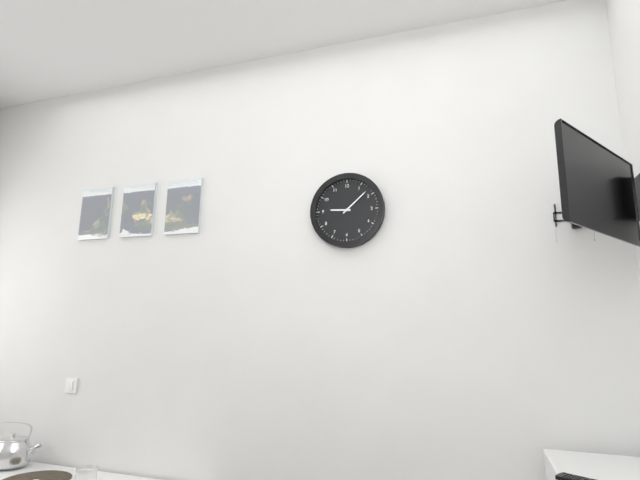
9:08
